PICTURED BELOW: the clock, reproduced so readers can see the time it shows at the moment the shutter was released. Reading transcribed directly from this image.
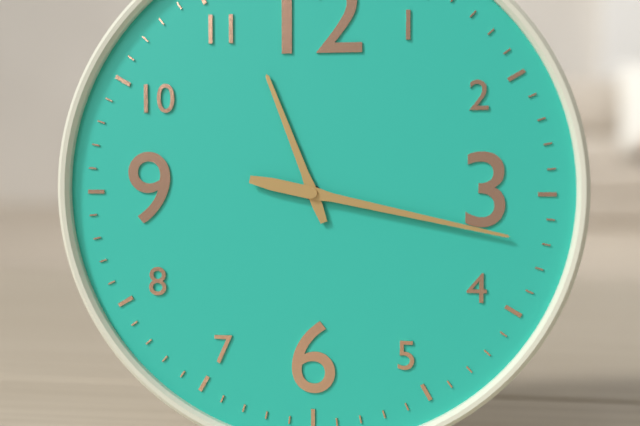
11:17
